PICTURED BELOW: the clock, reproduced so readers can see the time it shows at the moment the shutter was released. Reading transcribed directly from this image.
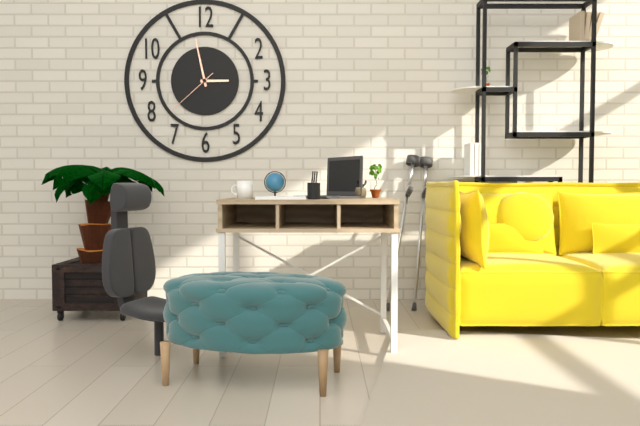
2:58:38
